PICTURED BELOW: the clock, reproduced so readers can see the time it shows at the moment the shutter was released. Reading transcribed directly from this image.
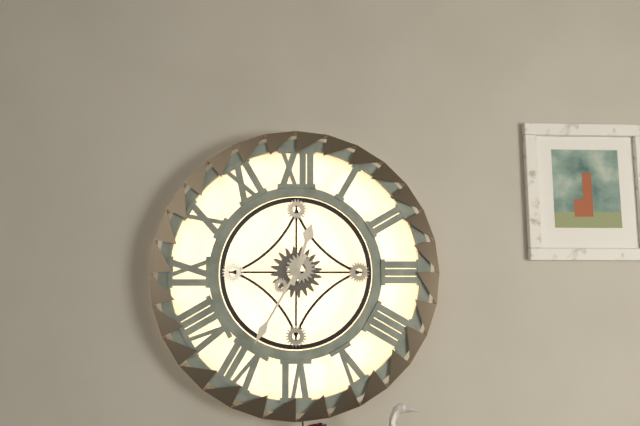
12:35
